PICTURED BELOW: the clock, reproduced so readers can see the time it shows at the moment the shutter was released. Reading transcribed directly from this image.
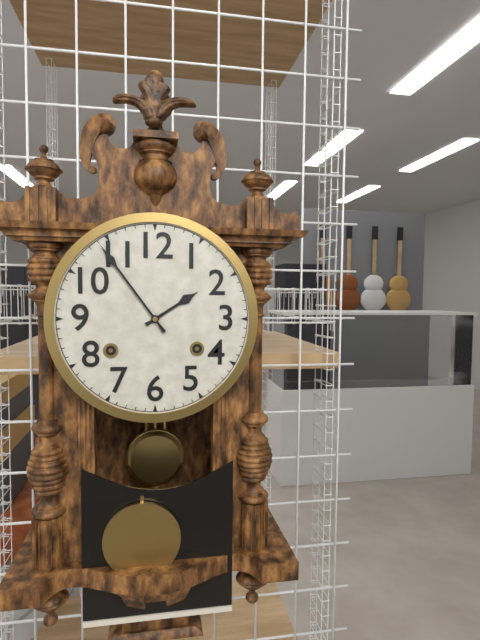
1:54
